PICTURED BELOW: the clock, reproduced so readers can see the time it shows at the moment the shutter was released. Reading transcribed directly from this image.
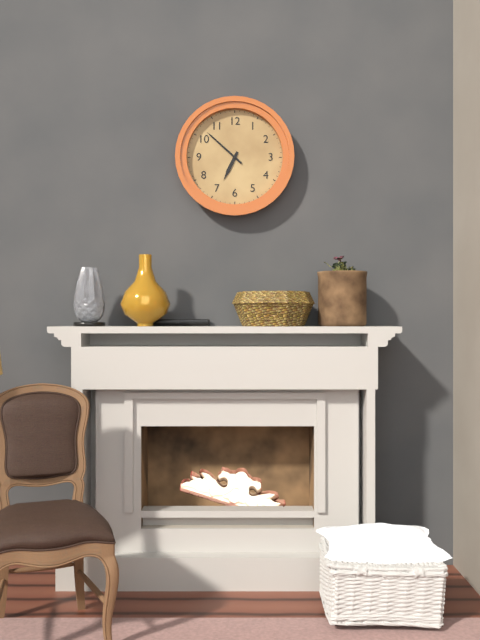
6:52
